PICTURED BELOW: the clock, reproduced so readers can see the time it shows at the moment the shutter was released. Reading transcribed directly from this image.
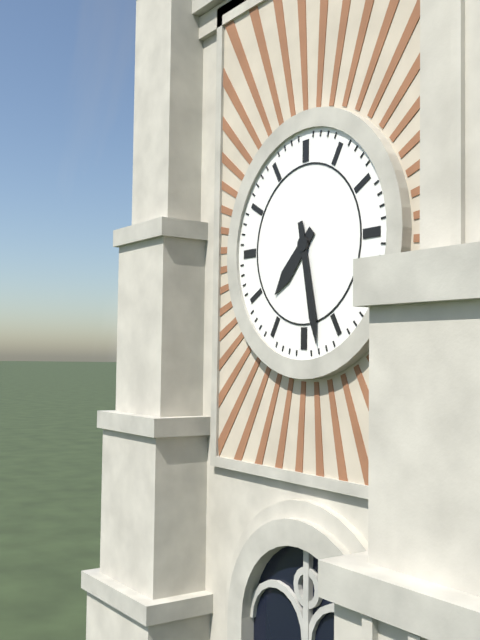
7:28
